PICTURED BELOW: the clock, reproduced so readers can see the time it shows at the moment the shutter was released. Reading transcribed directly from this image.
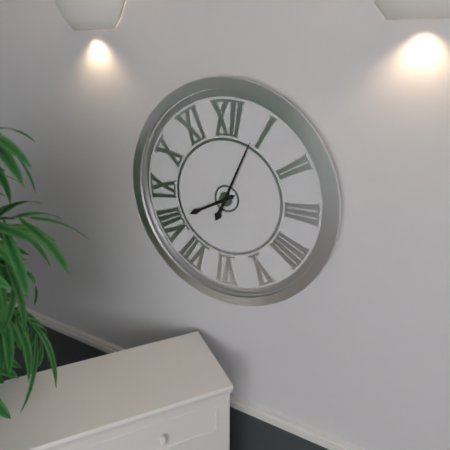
8:04
